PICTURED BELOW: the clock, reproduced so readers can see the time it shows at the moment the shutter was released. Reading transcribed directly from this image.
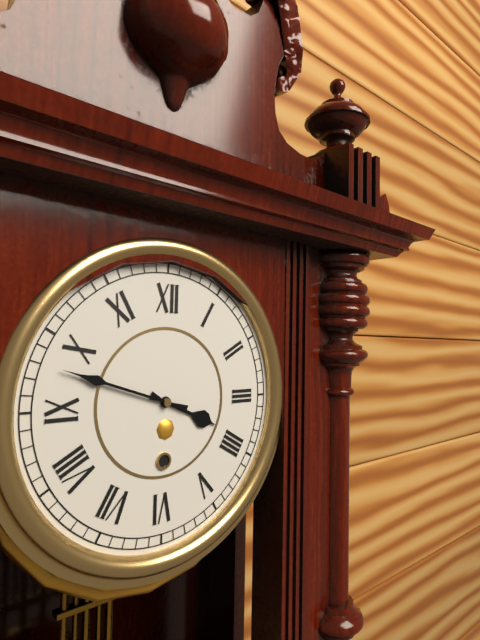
3:48
